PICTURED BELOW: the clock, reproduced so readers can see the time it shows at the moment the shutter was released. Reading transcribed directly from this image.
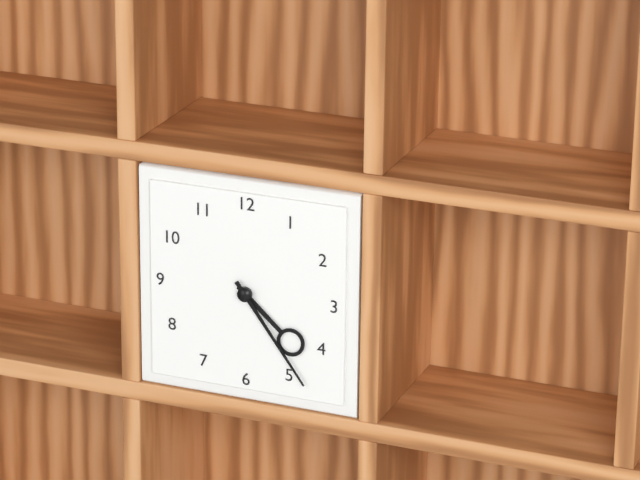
4:24
